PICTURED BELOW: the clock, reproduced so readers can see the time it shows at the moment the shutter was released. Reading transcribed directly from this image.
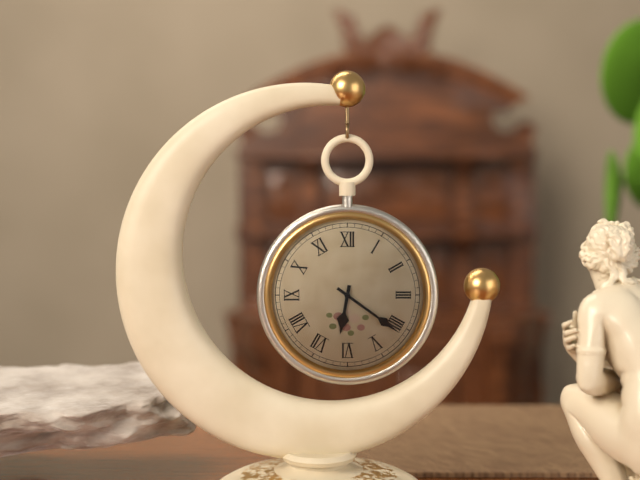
6:21
